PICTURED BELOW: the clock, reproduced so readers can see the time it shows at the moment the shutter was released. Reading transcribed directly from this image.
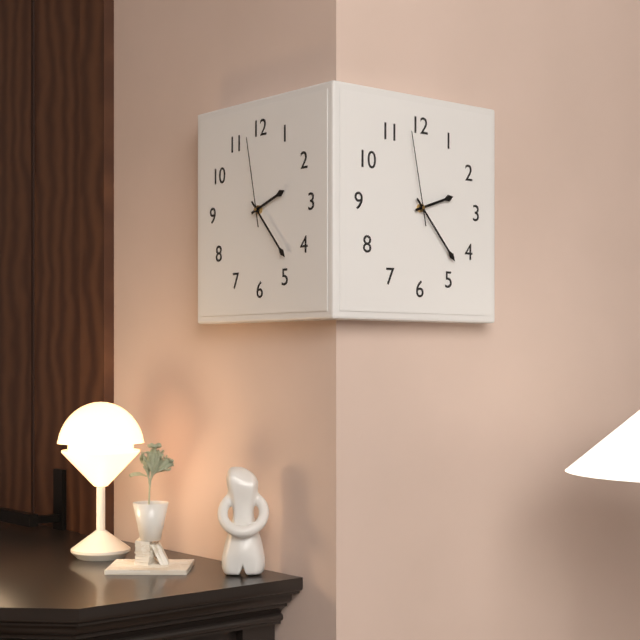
2:23:58
